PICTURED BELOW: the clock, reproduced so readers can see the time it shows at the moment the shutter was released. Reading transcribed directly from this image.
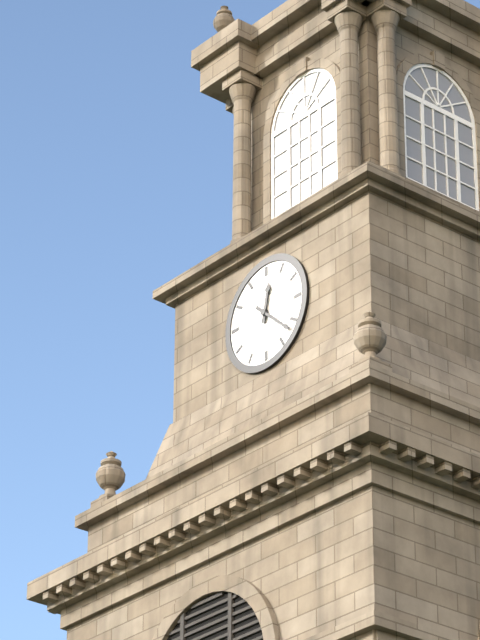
12:22
